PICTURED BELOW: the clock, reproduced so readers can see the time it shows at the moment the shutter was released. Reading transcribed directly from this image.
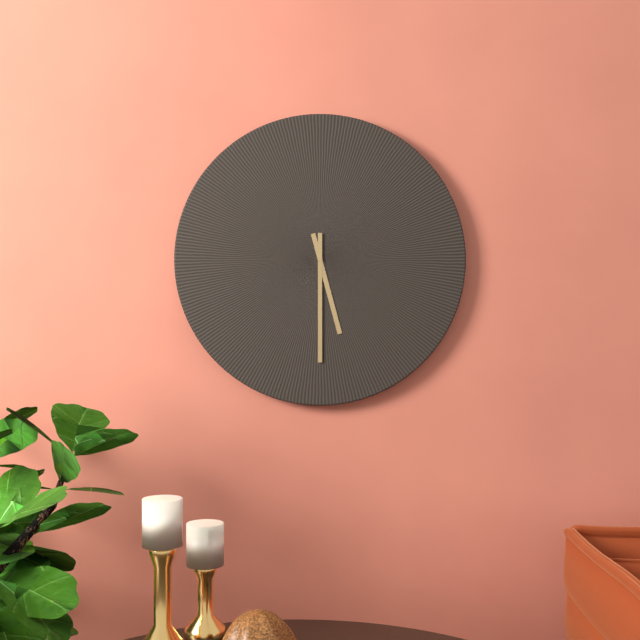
5:30
